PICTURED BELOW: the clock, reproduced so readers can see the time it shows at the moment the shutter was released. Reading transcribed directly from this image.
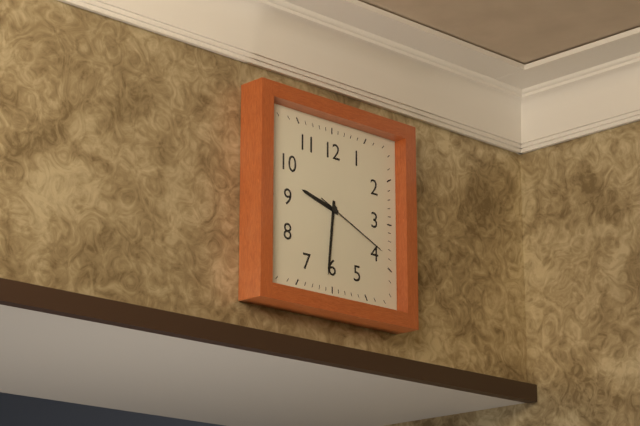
9:31:19
